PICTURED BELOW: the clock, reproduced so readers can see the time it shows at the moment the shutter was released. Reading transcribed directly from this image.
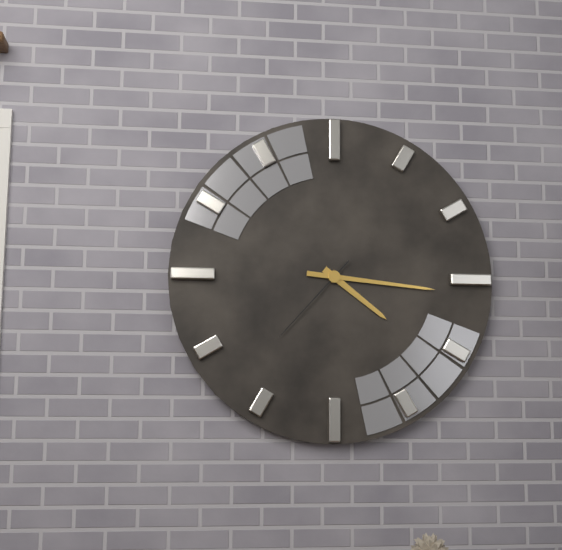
4:16:37
